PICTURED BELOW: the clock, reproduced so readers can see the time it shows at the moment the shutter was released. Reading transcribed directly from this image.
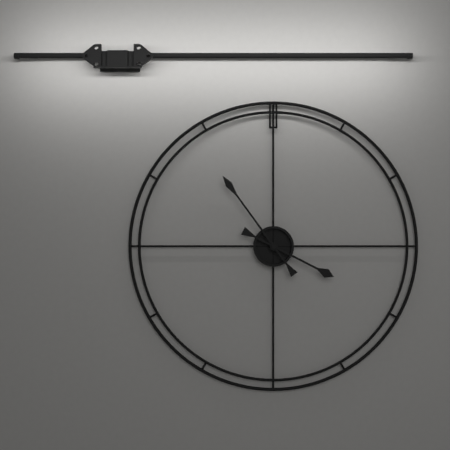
3:54
